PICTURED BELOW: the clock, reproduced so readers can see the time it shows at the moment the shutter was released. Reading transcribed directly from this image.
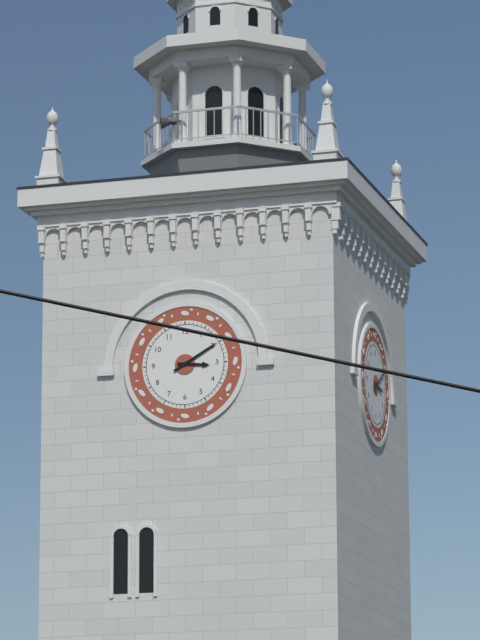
3:10
